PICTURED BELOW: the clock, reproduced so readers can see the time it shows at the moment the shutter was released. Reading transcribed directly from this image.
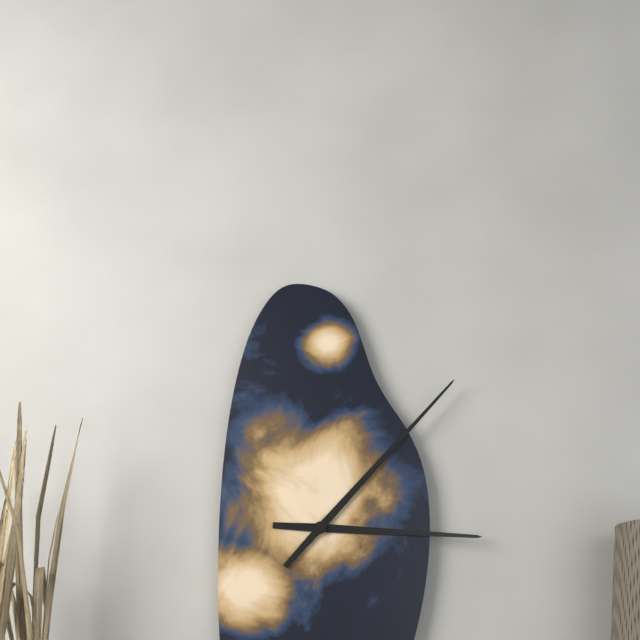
3:07
